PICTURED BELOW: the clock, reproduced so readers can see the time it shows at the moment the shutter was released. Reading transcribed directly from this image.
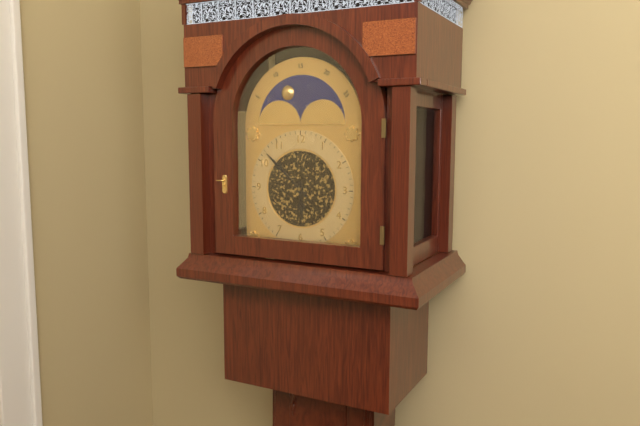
5:52
